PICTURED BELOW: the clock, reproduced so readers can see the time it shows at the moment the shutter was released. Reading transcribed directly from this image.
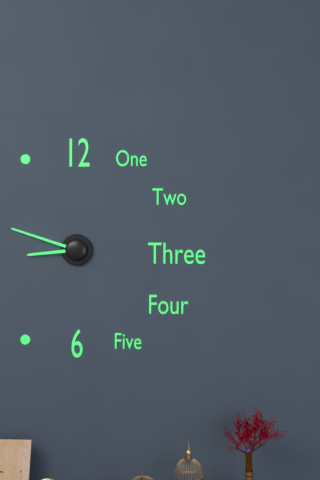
8:48
